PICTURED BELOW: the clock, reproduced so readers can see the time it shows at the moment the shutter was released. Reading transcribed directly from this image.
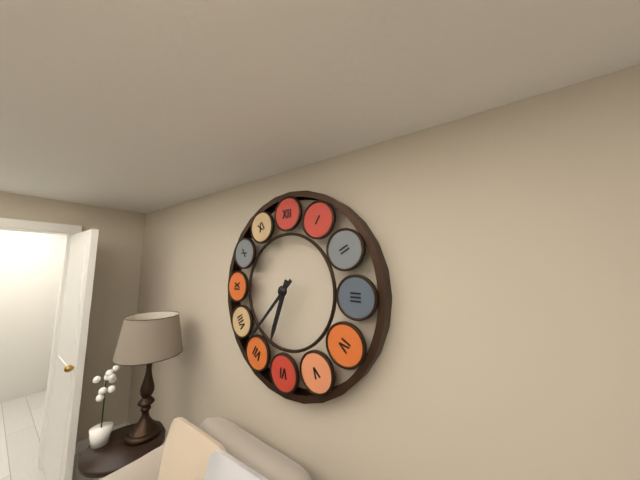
6:37
